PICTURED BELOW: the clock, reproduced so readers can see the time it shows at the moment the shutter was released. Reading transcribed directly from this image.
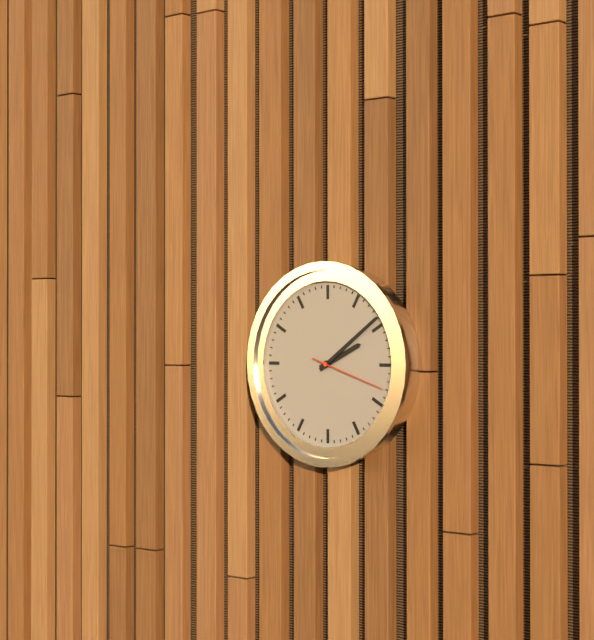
2:09:18
